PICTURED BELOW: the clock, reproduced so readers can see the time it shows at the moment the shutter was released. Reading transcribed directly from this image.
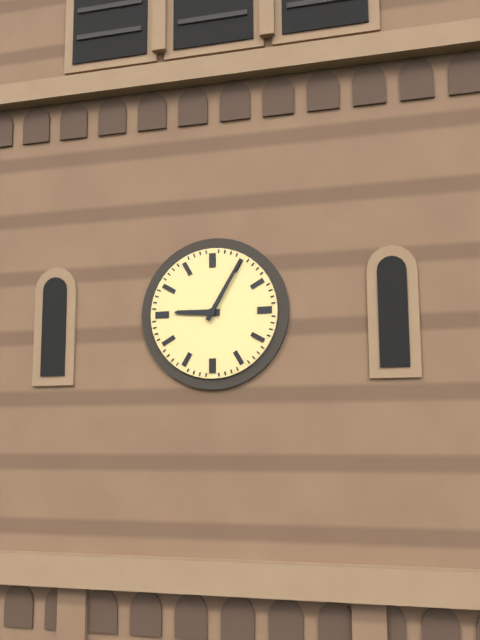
9:05
